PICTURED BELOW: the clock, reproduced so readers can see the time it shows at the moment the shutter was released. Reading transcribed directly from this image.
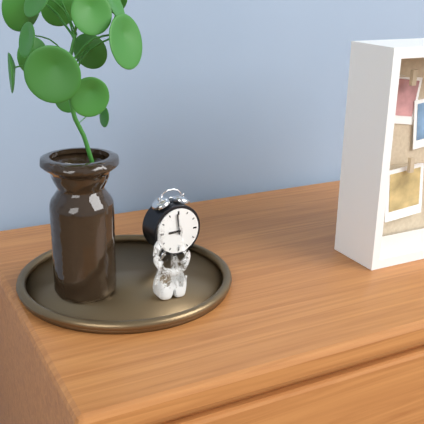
8:59
